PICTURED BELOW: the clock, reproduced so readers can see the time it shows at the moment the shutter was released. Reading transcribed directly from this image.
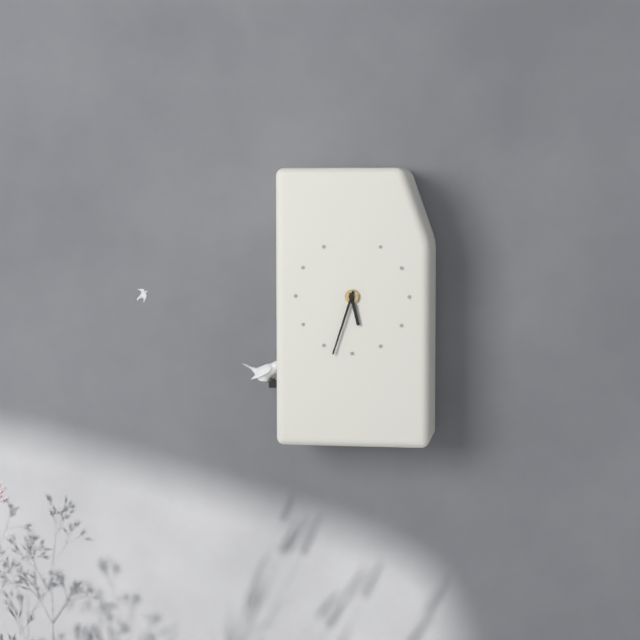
5:33
